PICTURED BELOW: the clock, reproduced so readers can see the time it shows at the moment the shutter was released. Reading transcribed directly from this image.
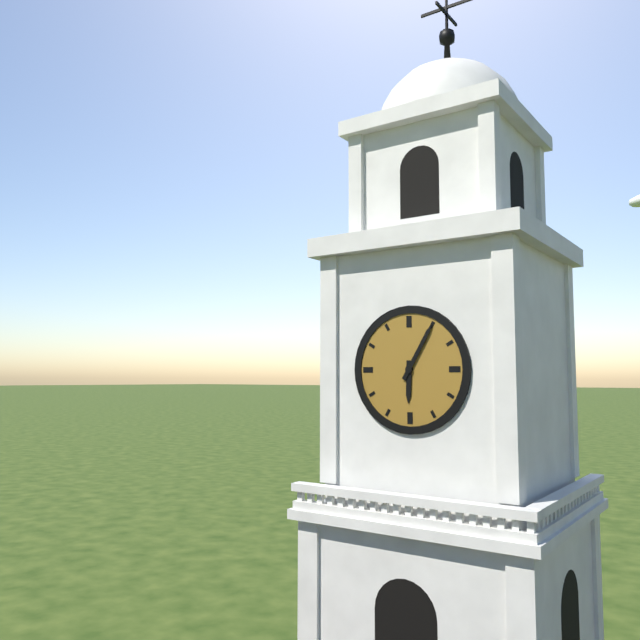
6:05
